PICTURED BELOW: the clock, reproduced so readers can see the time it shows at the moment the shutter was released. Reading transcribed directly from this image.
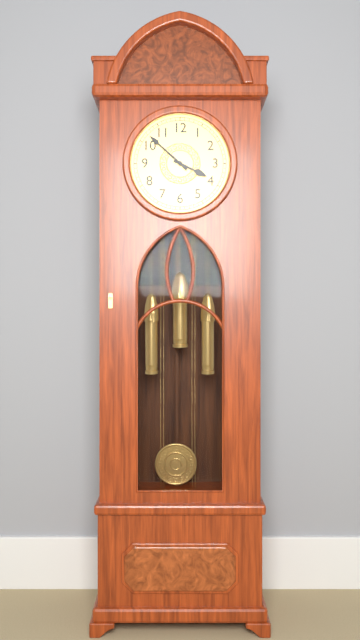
3:52
